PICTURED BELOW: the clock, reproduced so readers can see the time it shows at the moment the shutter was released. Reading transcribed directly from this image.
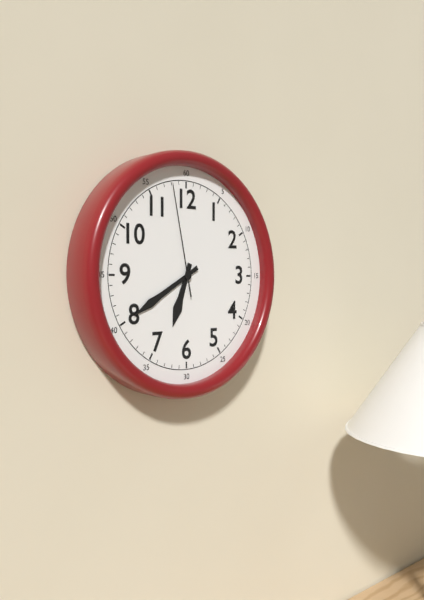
6:40:58
